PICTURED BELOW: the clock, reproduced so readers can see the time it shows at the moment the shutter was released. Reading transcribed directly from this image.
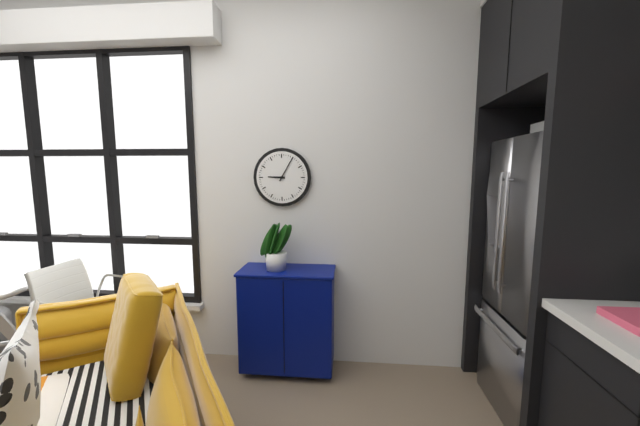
9:05
